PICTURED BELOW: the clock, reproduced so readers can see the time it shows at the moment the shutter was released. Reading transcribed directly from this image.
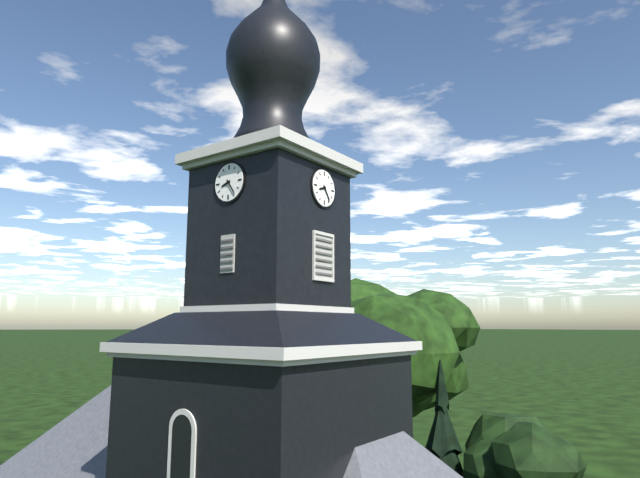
8:24
